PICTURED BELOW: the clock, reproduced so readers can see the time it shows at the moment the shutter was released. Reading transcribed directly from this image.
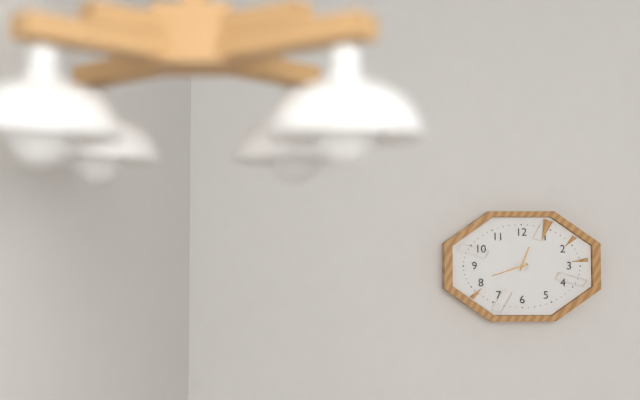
12:42
